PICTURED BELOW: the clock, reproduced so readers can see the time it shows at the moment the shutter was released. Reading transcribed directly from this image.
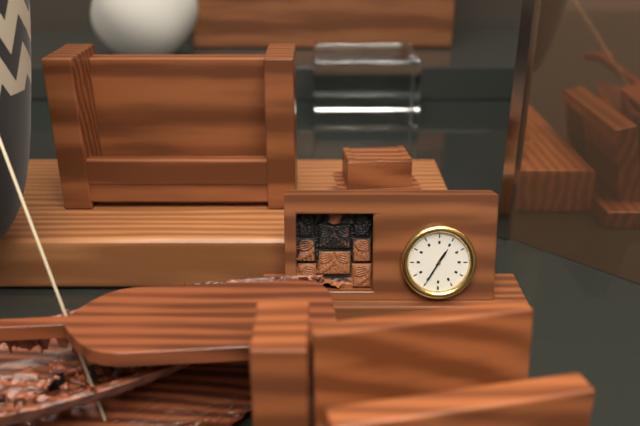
7:05
